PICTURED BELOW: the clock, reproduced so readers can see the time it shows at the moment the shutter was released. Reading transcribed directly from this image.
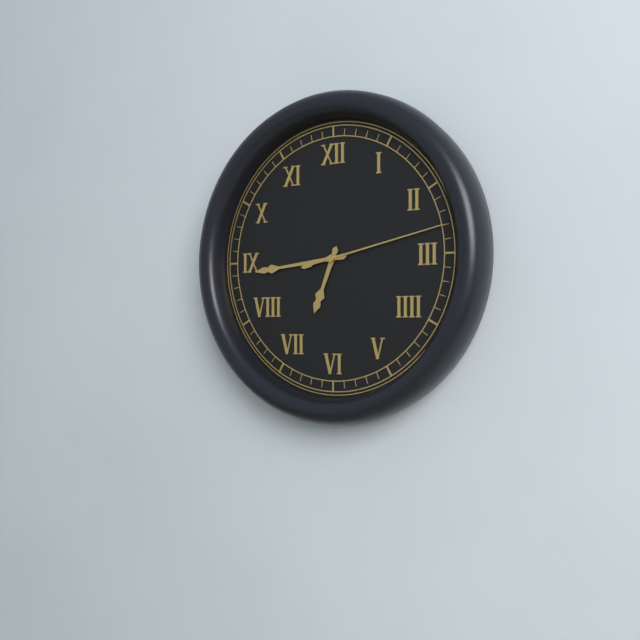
6:44:13
